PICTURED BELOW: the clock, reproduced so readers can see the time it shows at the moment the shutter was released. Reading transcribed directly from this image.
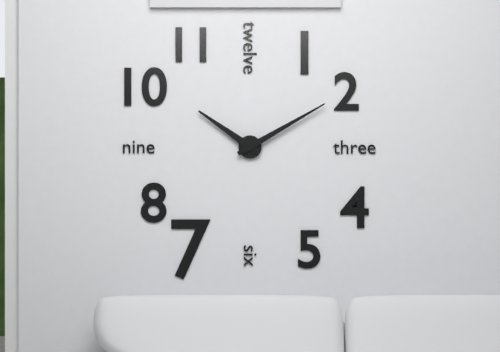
10:10
